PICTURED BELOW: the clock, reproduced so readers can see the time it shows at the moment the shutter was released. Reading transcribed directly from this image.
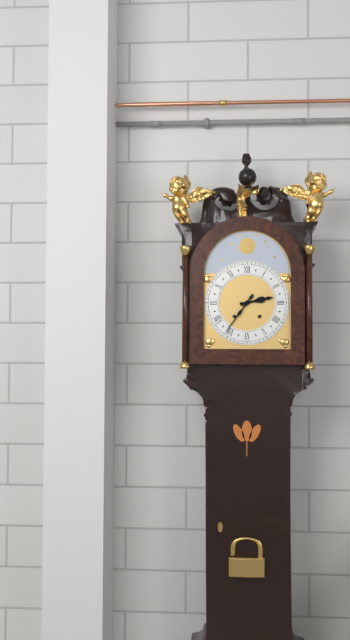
2:36
